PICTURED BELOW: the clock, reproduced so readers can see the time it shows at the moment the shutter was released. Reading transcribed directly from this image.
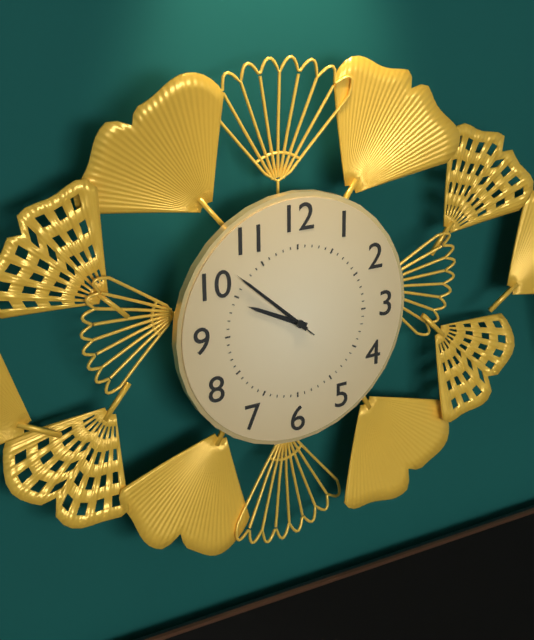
9:52:52
